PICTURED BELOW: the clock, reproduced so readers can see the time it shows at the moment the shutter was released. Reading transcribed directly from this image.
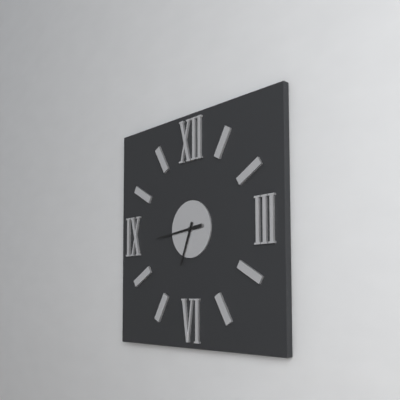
6:44
